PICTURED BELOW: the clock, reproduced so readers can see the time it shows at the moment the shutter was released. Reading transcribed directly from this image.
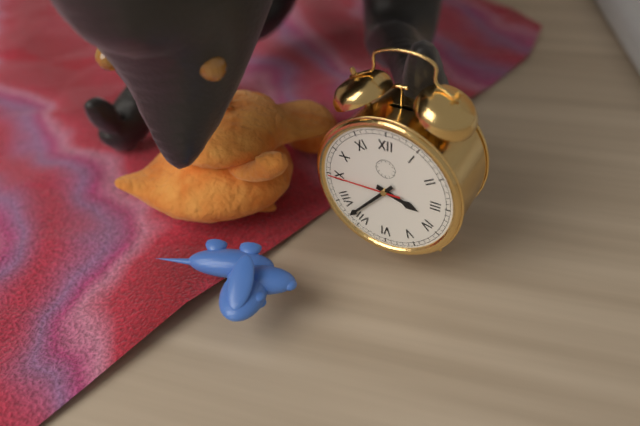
3:37:45
